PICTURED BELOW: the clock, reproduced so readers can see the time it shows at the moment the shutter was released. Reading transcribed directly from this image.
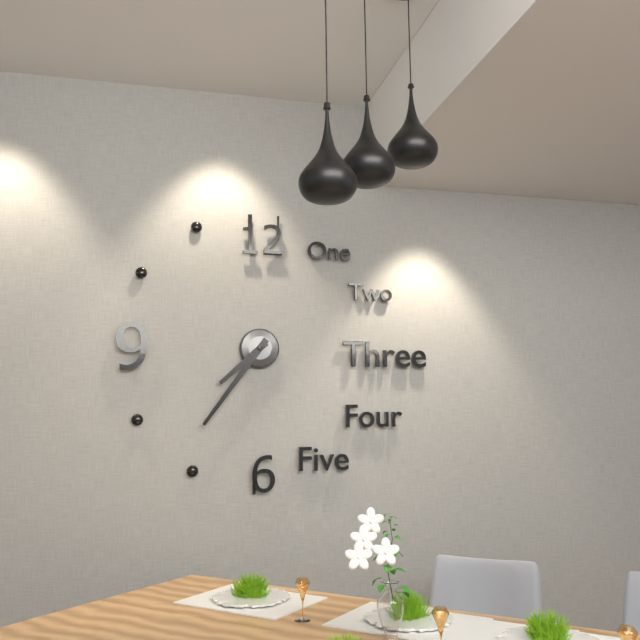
7:36
